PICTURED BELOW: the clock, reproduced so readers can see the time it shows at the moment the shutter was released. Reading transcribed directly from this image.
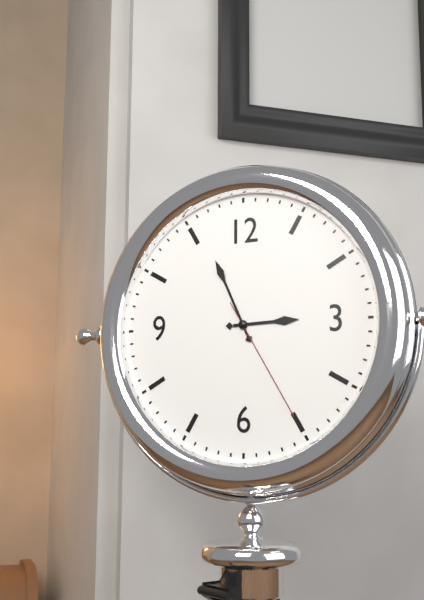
2:56:25
